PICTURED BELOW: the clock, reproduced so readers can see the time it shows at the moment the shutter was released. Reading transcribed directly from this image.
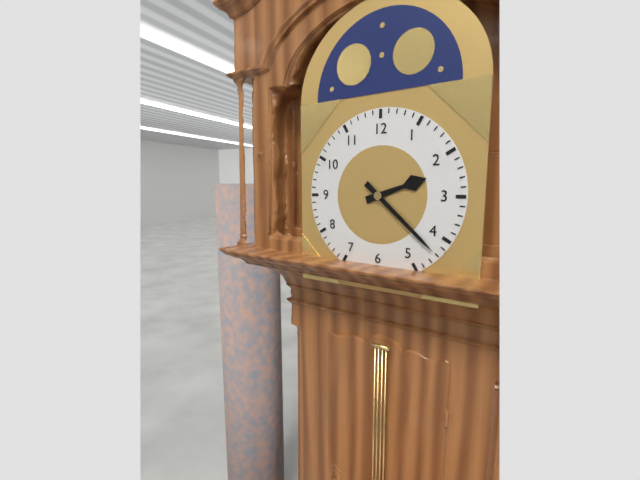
2:22
